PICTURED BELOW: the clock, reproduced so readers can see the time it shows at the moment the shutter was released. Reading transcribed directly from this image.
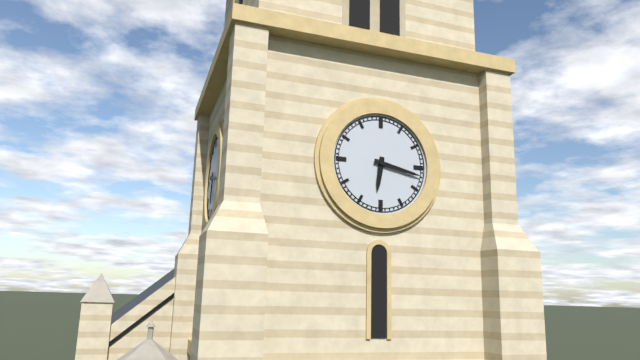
6:17
